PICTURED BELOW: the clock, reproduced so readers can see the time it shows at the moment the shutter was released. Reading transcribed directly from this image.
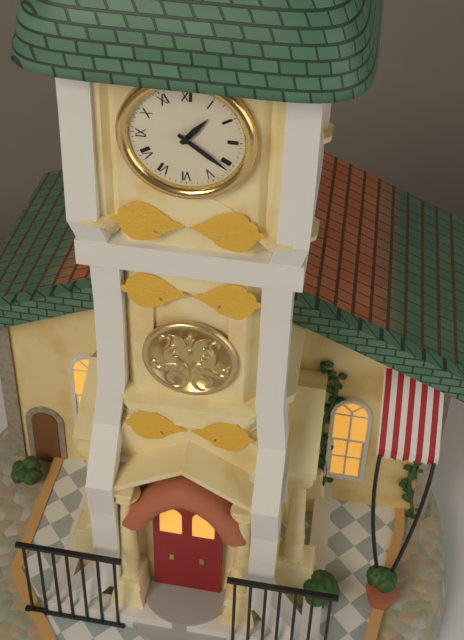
1:21
